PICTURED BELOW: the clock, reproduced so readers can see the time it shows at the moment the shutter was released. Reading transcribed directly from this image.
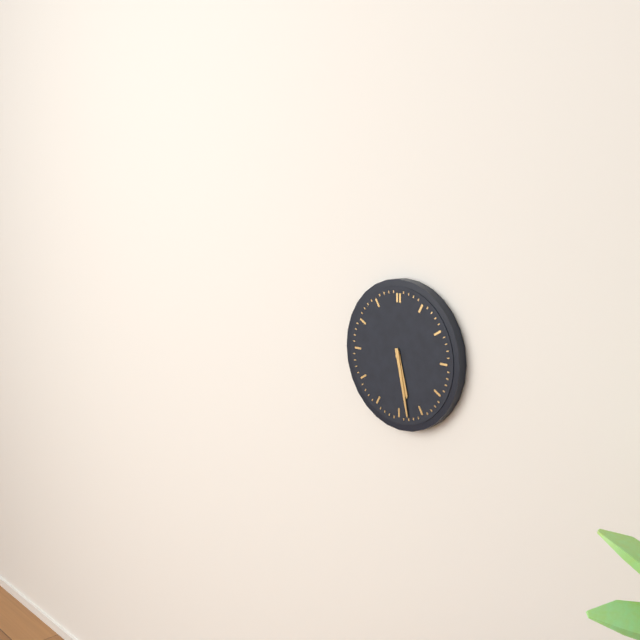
5:28
